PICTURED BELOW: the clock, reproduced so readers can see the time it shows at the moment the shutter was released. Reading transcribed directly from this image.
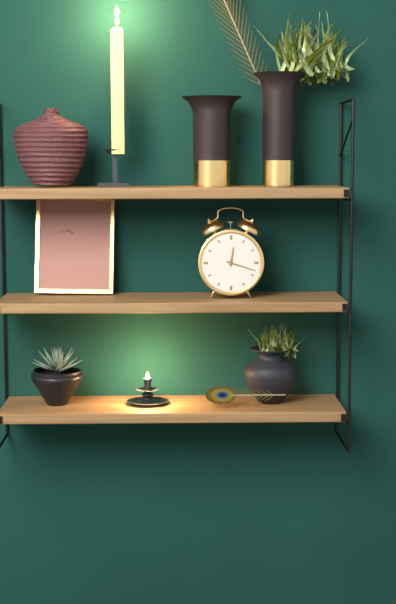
12:18
